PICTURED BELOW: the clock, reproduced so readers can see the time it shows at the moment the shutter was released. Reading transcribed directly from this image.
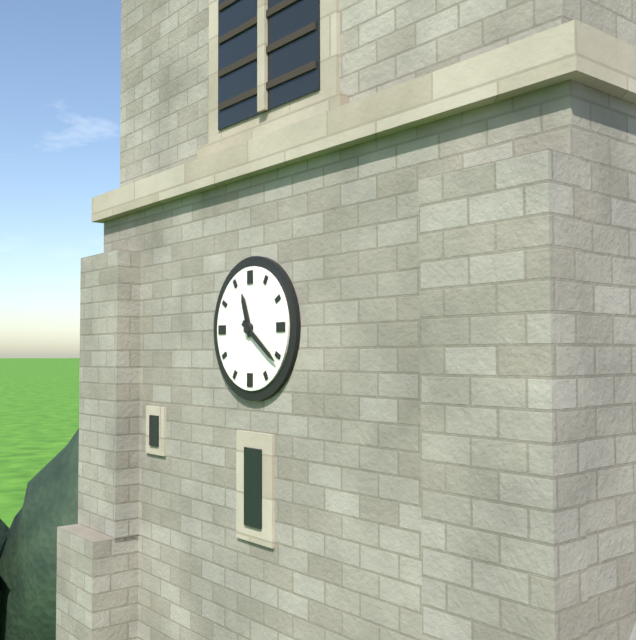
11:21
